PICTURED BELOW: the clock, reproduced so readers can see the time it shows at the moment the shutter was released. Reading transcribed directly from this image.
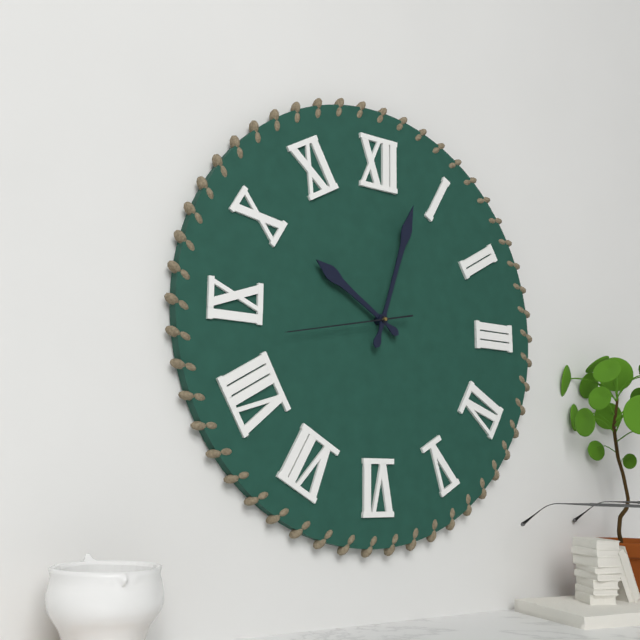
10:03:43
